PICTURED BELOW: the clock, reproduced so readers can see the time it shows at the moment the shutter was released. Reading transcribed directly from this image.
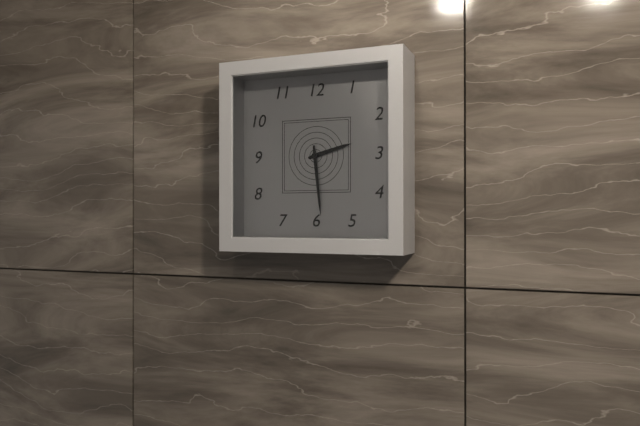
2:29
